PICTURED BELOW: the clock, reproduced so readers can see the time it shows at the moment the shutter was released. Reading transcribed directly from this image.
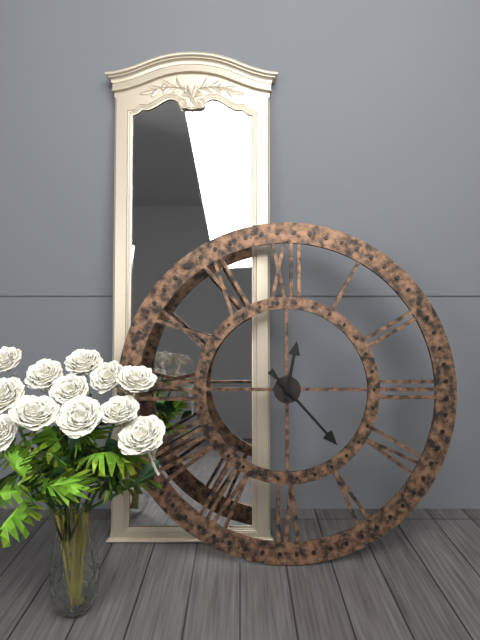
12:23
